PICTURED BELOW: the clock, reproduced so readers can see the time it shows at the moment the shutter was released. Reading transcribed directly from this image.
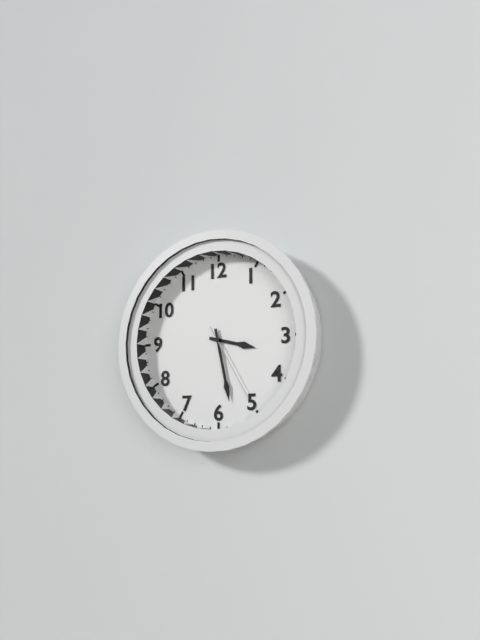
3:28:25
